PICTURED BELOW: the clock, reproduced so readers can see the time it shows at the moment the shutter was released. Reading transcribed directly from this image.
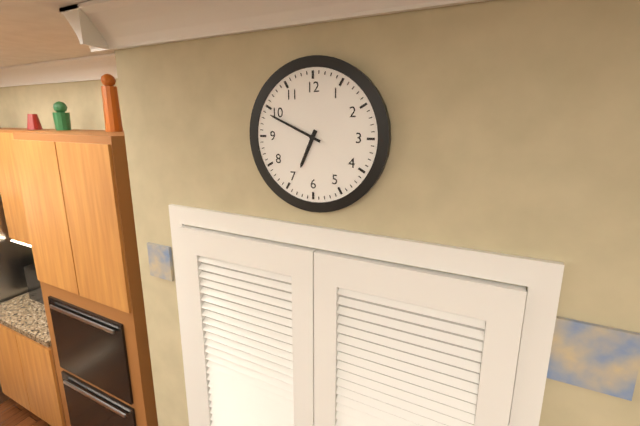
6:49
